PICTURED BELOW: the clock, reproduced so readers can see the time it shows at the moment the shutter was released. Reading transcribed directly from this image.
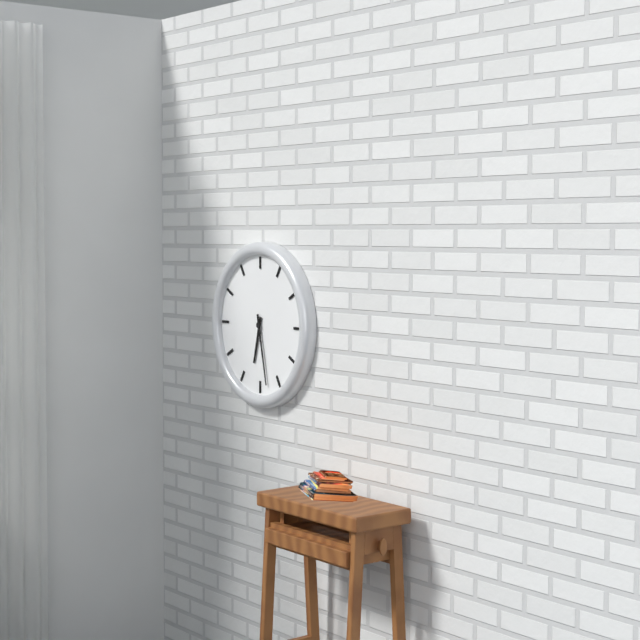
6:28
